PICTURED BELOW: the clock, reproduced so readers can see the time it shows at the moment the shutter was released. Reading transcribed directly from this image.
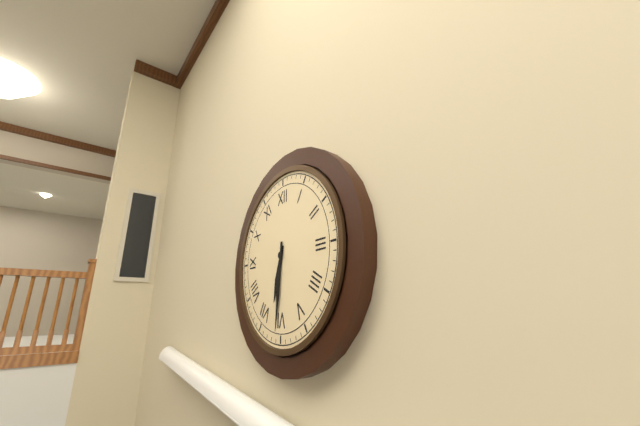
6:31
